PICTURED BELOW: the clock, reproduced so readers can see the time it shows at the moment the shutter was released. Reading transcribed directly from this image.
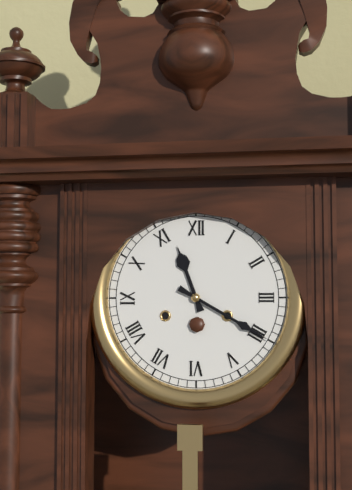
11:20
